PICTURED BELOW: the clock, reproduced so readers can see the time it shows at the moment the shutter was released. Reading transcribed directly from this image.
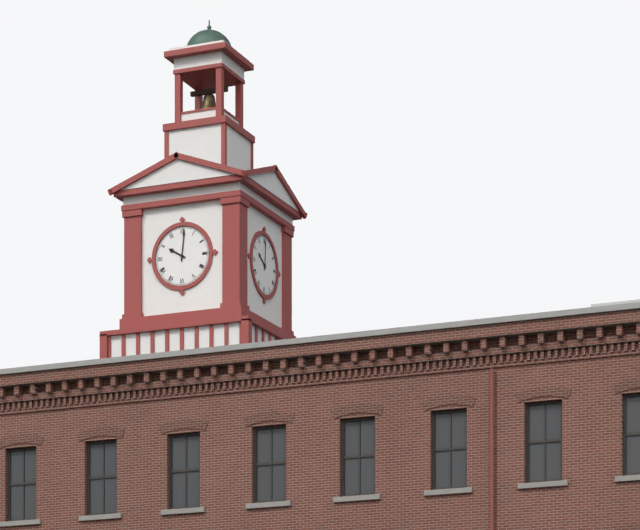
10:01
